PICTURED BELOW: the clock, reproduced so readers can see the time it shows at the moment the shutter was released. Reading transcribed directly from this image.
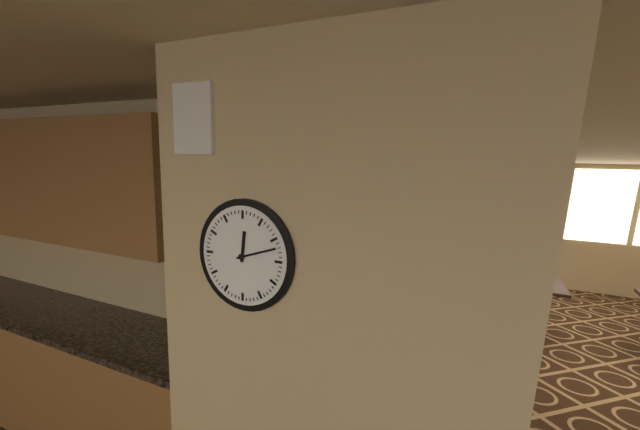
12:12
